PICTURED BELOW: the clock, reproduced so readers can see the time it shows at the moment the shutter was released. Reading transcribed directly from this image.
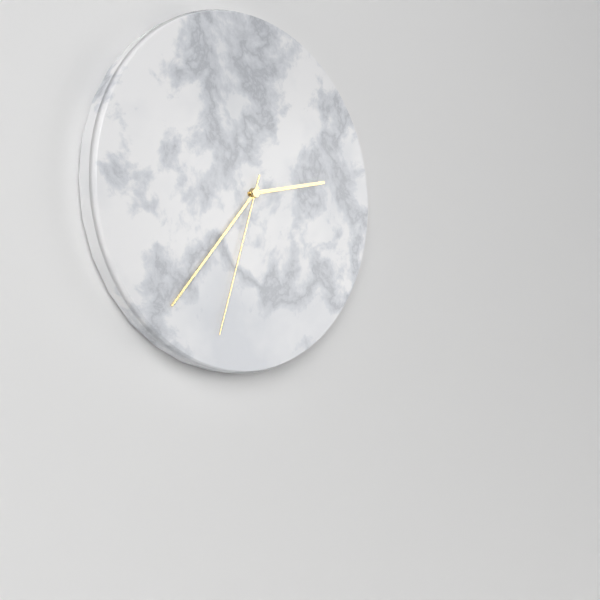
2:37:33
